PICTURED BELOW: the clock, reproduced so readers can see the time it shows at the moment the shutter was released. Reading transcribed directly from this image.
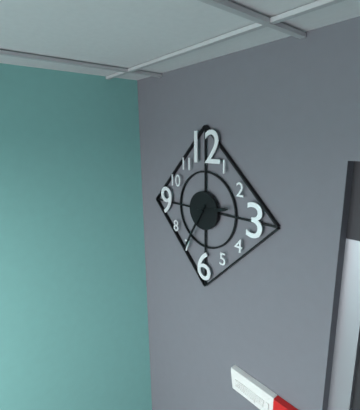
2:35
